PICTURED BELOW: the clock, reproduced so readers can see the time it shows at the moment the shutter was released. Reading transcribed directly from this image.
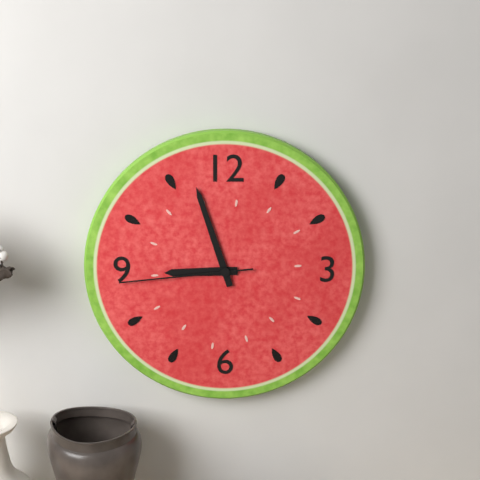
8:57:44
